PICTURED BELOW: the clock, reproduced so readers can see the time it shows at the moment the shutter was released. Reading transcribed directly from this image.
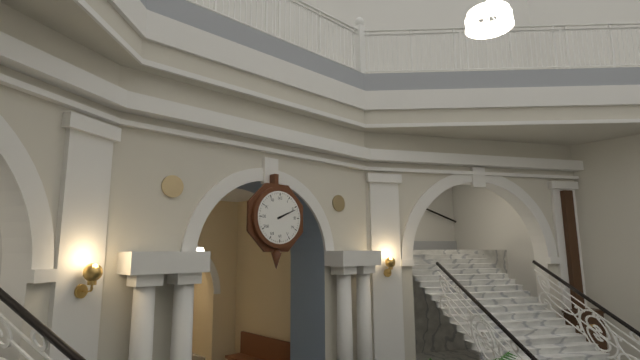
2:11
